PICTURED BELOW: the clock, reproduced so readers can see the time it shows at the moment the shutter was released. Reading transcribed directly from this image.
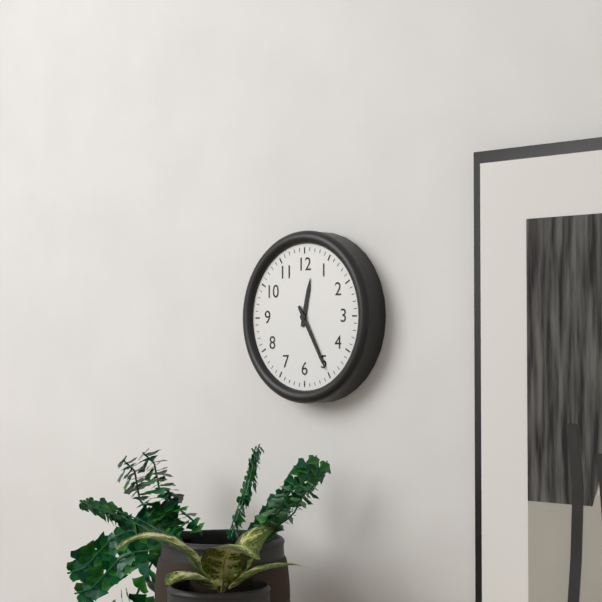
12:25
